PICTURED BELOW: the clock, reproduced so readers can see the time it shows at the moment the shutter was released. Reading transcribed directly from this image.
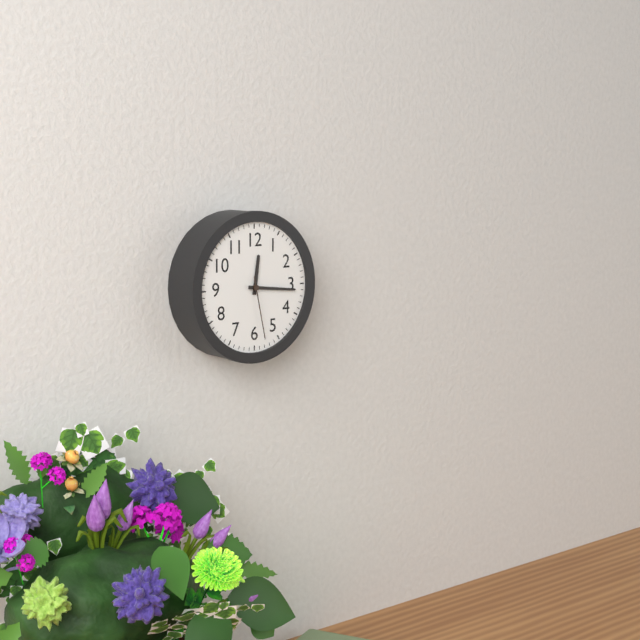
12:16:28
